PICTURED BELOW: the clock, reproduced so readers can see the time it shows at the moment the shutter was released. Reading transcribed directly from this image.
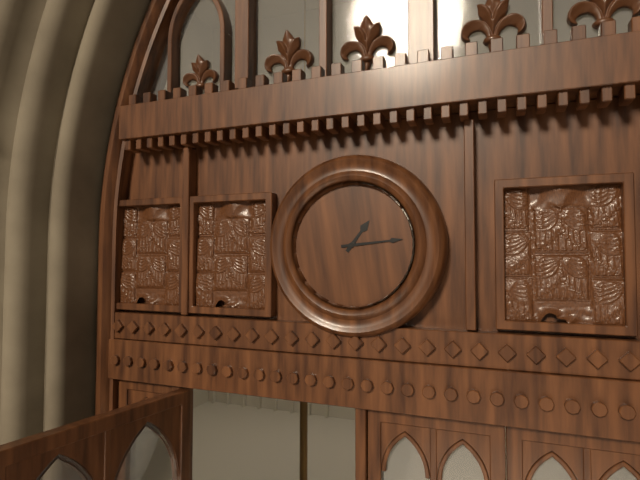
1:14
